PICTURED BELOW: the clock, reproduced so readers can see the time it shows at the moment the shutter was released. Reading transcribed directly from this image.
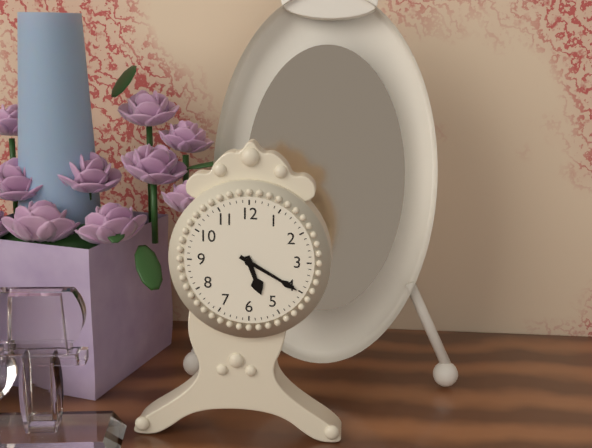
5:20
